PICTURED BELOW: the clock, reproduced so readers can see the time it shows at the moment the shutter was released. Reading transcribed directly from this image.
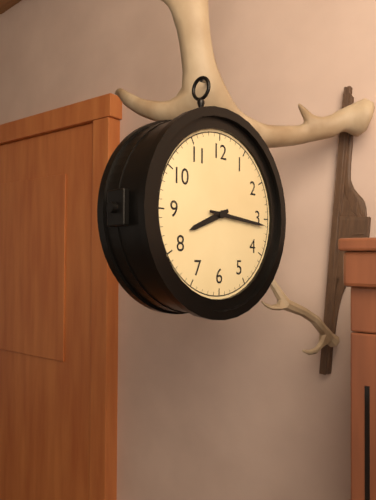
8:16
